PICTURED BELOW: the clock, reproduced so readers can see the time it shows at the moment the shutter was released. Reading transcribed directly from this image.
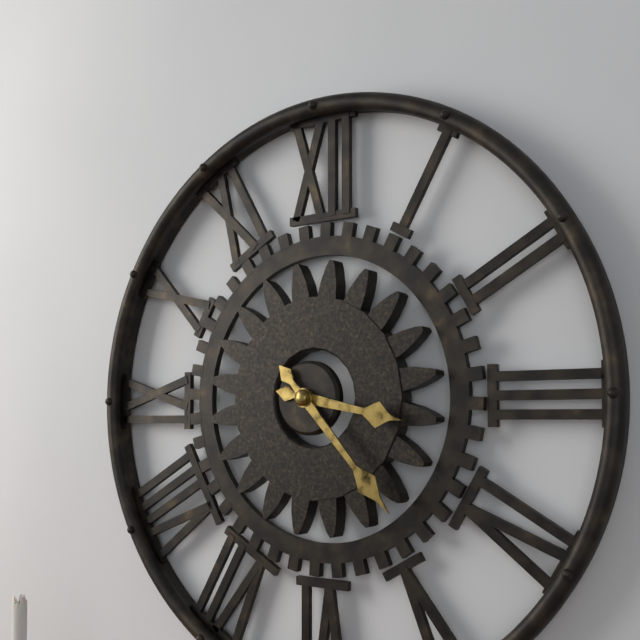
3:23
